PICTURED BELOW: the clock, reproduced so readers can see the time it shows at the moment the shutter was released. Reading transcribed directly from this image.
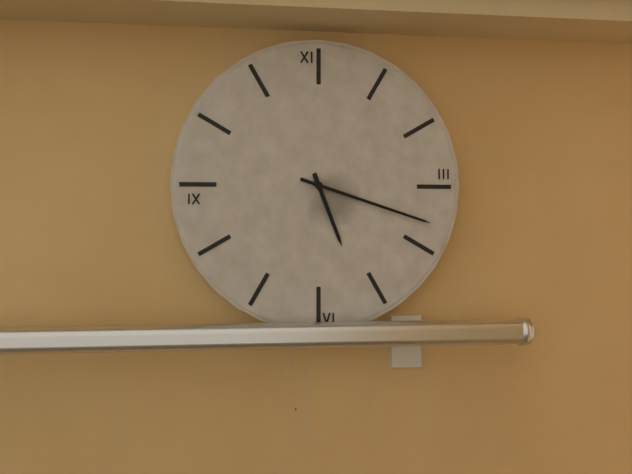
5:18
